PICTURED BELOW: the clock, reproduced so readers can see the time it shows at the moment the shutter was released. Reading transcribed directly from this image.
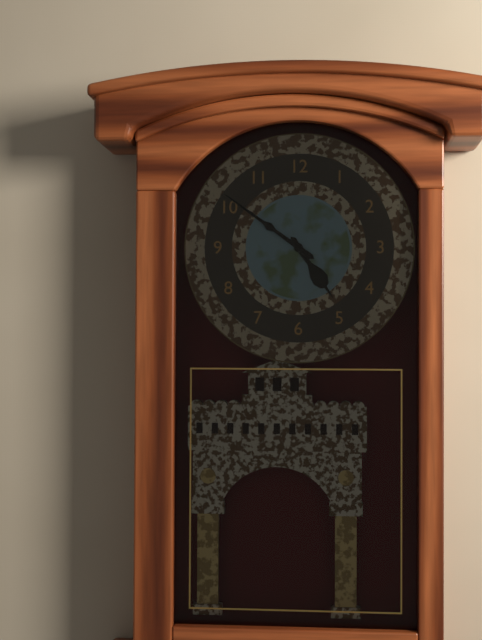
4:51
